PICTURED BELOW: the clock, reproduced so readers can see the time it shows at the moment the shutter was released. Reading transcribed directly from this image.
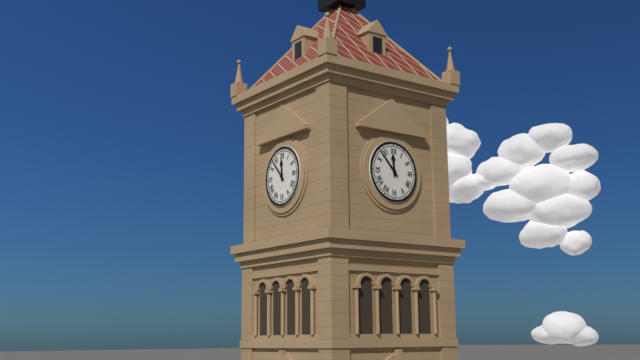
11:53
